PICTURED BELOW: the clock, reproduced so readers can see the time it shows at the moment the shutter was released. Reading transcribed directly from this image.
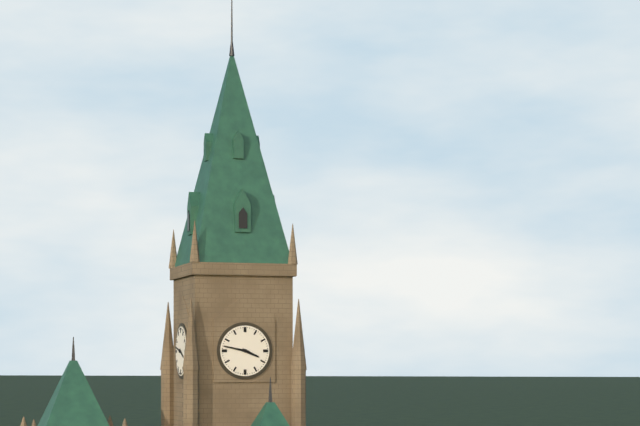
3:47
